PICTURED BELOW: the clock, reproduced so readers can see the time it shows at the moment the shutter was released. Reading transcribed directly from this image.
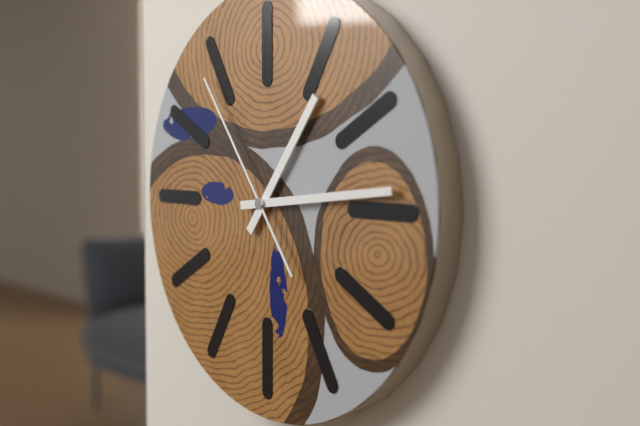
1:14:54
